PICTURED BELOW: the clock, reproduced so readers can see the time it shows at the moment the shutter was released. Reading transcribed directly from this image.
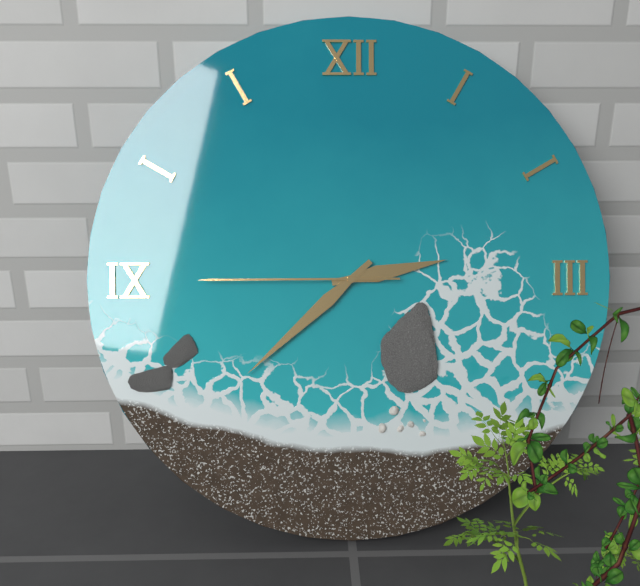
2:38:45
